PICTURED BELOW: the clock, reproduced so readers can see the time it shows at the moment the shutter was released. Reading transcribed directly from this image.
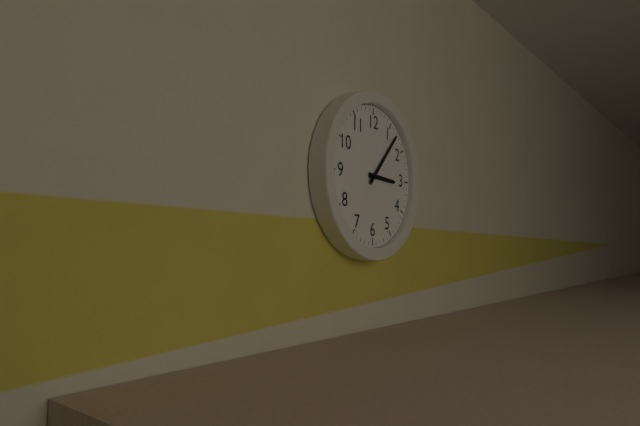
3:07
